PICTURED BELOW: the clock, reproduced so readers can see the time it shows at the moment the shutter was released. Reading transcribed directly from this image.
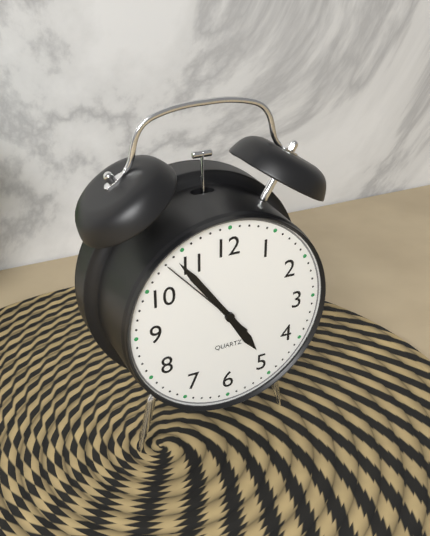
4:54:53
